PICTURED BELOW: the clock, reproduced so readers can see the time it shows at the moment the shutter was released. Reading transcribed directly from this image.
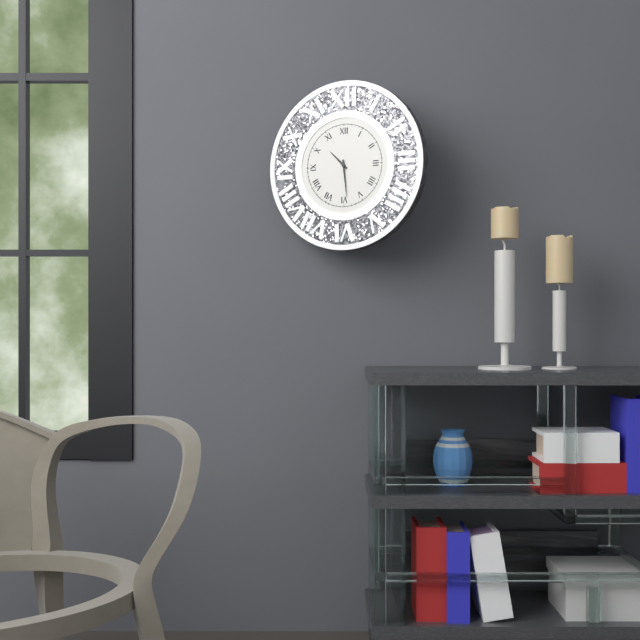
10:29
